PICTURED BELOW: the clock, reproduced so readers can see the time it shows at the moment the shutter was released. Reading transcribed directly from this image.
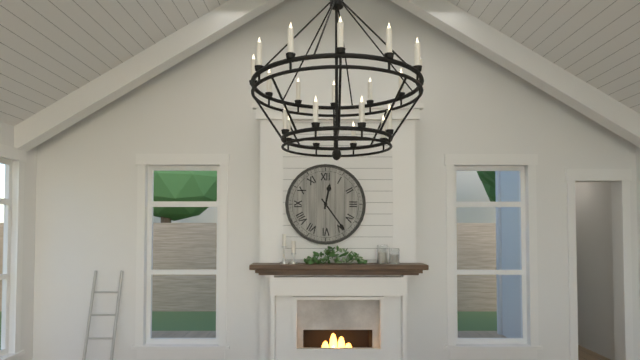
12:24
